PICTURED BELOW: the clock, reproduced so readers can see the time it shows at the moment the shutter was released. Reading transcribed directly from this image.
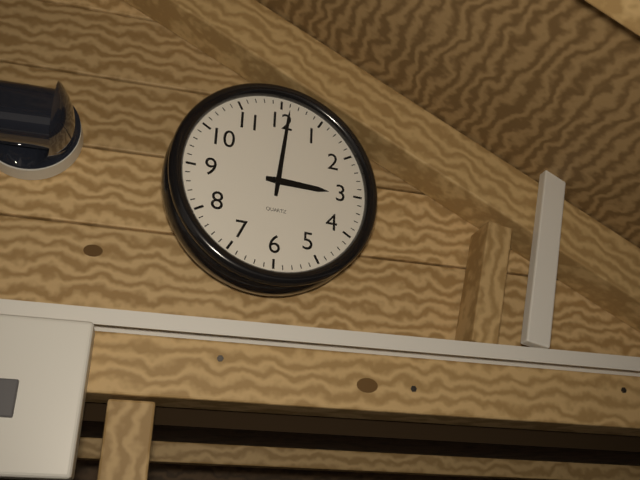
3:01
